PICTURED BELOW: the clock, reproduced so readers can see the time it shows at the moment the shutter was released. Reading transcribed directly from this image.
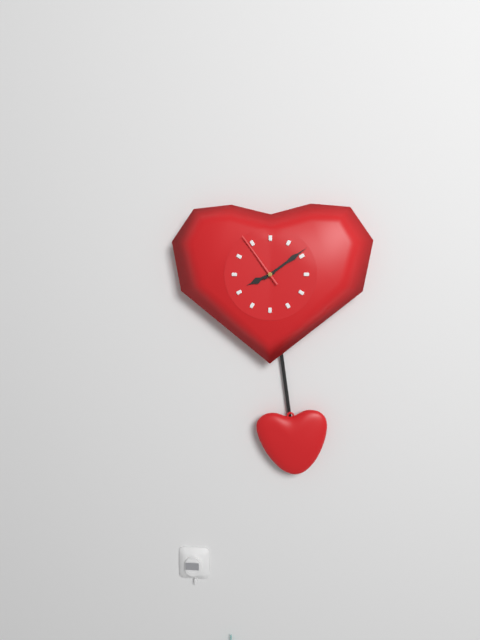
8:09:54
